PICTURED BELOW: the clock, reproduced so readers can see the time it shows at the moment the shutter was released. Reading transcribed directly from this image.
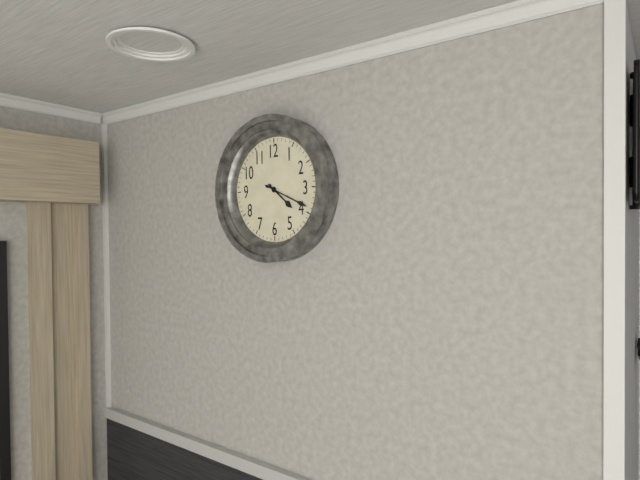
4:19
